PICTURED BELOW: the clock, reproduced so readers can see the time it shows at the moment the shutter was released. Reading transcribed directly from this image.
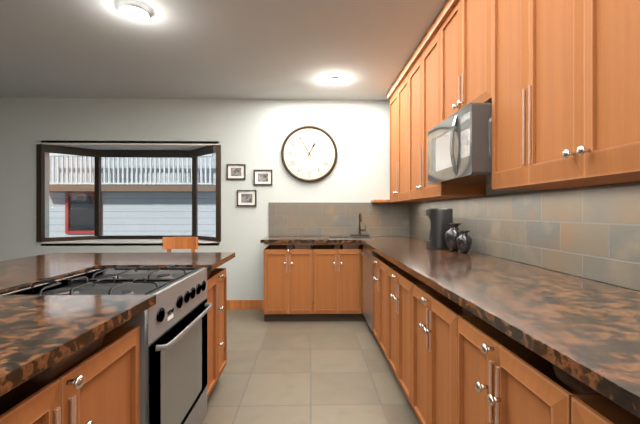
12:55
